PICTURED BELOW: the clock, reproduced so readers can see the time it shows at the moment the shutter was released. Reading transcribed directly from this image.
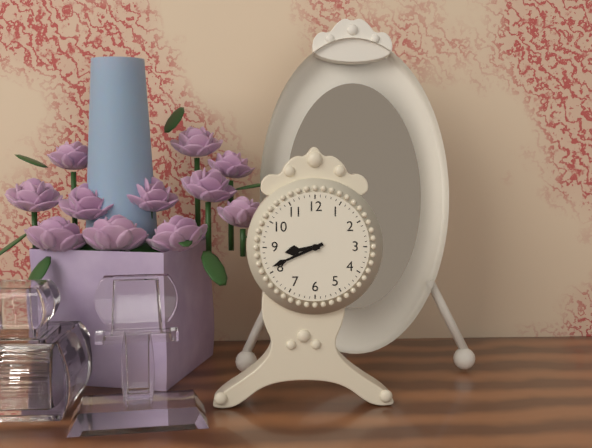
8:41
